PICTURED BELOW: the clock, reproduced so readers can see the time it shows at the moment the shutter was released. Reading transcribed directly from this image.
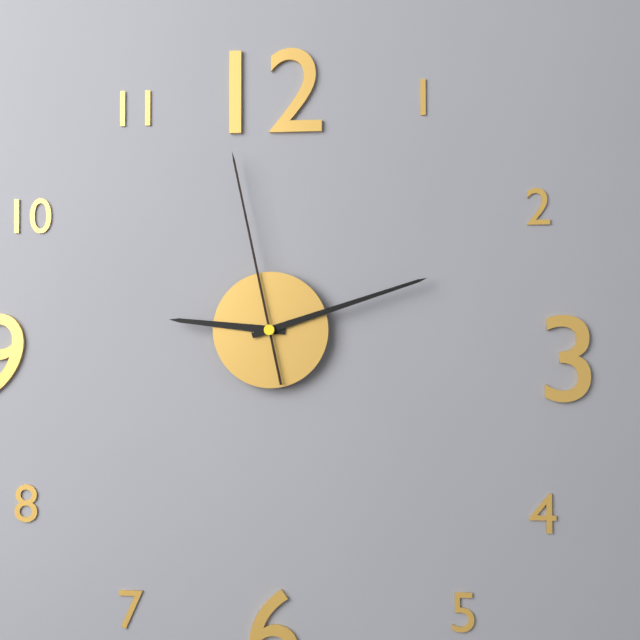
9:12:58
